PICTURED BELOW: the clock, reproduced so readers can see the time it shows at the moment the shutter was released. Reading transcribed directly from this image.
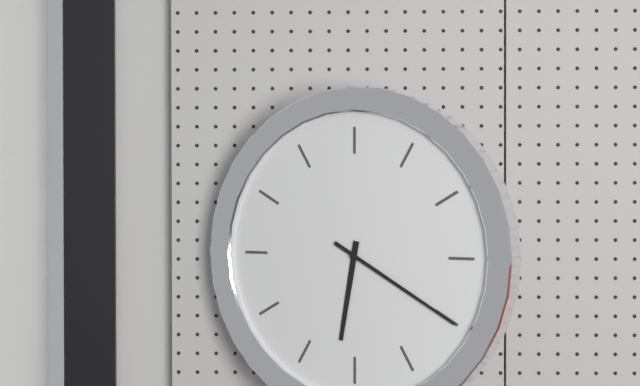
6:20
